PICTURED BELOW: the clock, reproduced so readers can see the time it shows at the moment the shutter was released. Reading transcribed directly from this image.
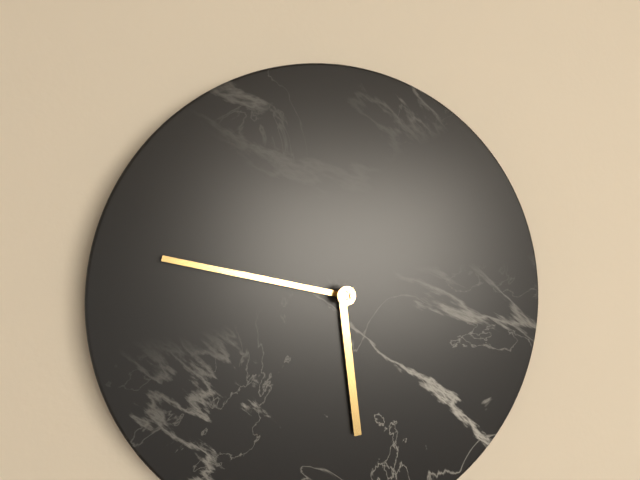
5:47
